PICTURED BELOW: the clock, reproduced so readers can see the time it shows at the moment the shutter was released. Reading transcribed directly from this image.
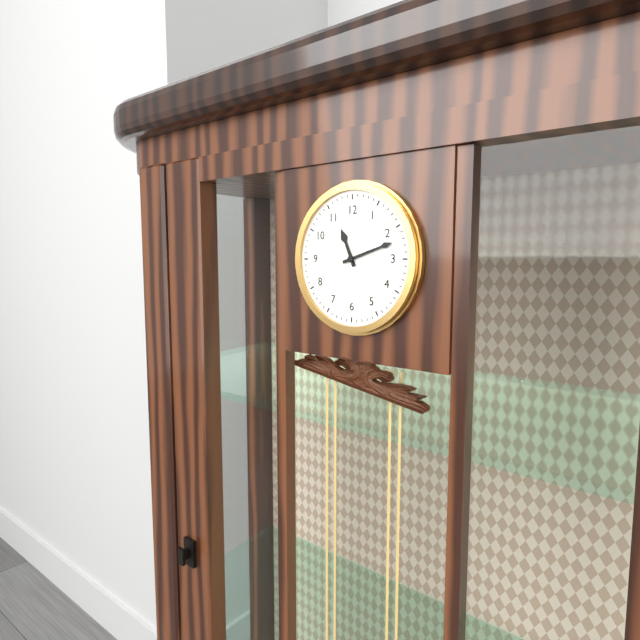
11:12
